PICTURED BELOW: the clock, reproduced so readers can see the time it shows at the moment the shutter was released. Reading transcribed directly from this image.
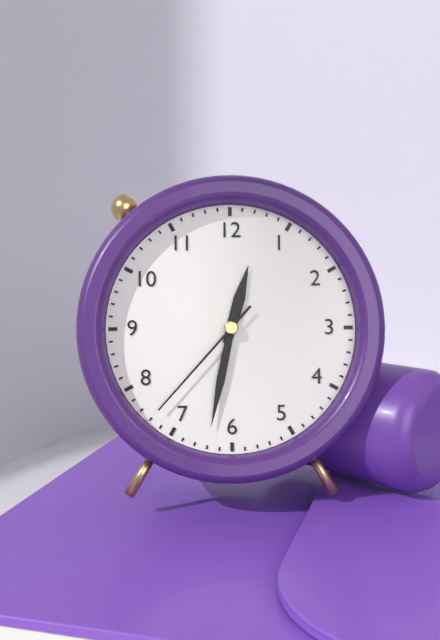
12:32:37
